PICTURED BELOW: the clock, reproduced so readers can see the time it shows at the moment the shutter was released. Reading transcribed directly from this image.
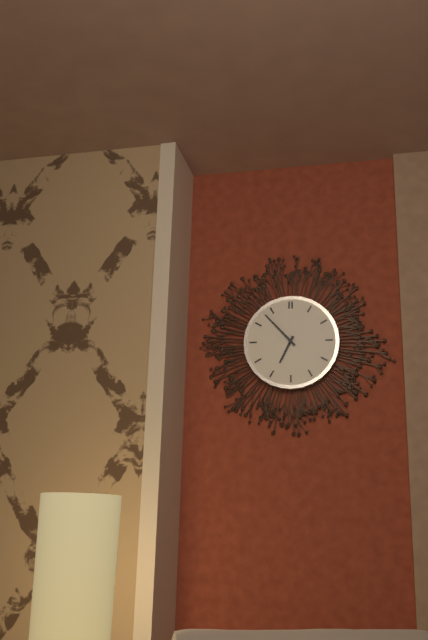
6:53
